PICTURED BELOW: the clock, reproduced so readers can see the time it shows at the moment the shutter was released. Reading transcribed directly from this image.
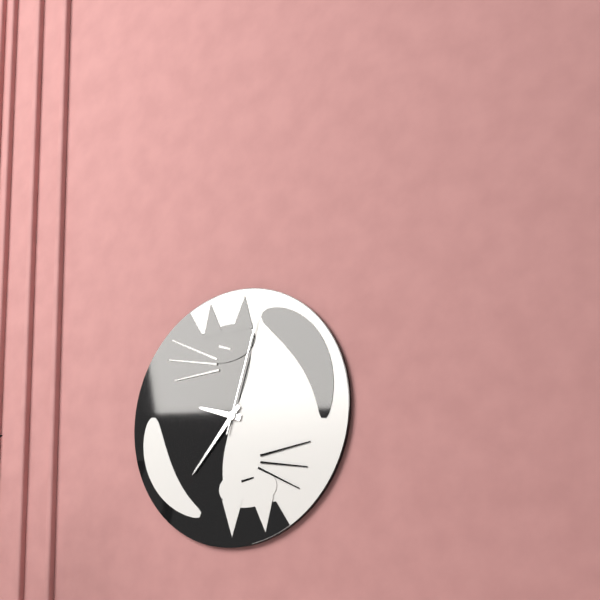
9:37:03
